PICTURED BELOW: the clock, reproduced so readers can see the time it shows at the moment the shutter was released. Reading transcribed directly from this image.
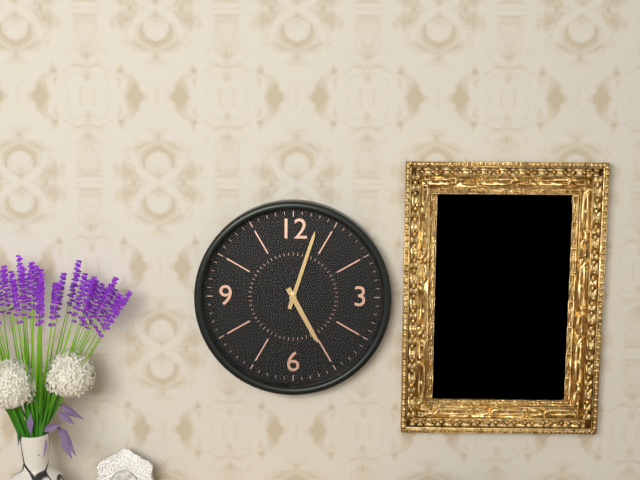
5:03
